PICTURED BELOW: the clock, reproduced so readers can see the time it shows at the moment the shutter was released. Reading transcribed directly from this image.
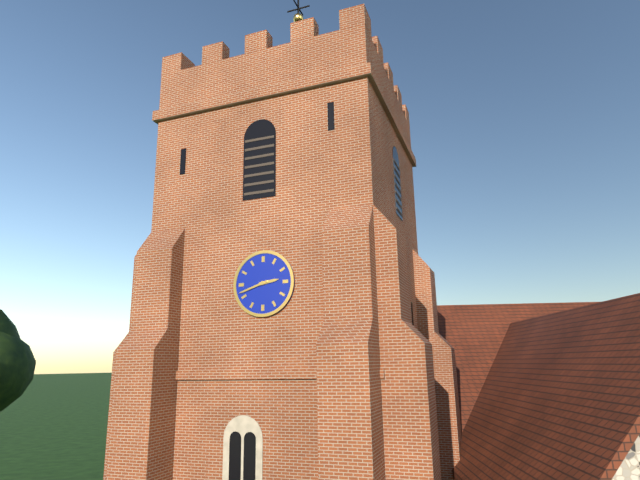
2:42
